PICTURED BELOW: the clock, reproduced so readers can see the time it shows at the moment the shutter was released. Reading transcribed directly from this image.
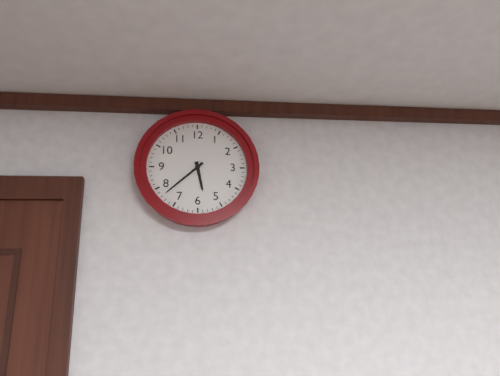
5:38
